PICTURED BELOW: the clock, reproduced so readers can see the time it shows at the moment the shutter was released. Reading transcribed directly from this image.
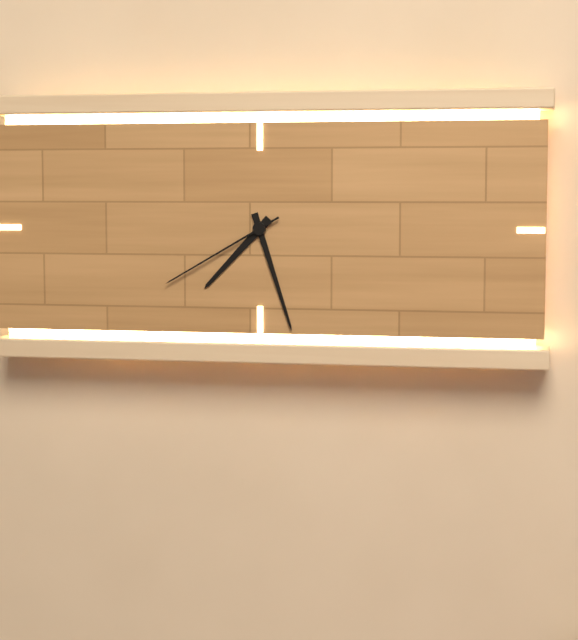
7:27:40
